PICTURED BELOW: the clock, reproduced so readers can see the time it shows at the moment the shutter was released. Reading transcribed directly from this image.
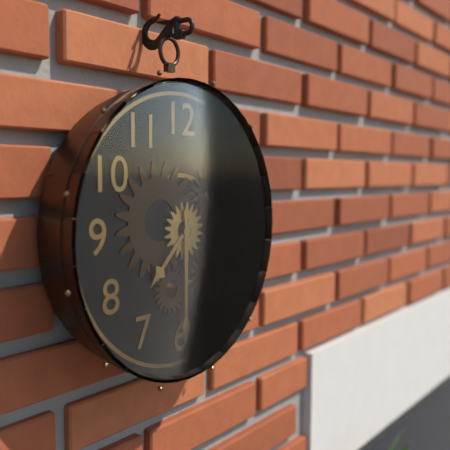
7:30
